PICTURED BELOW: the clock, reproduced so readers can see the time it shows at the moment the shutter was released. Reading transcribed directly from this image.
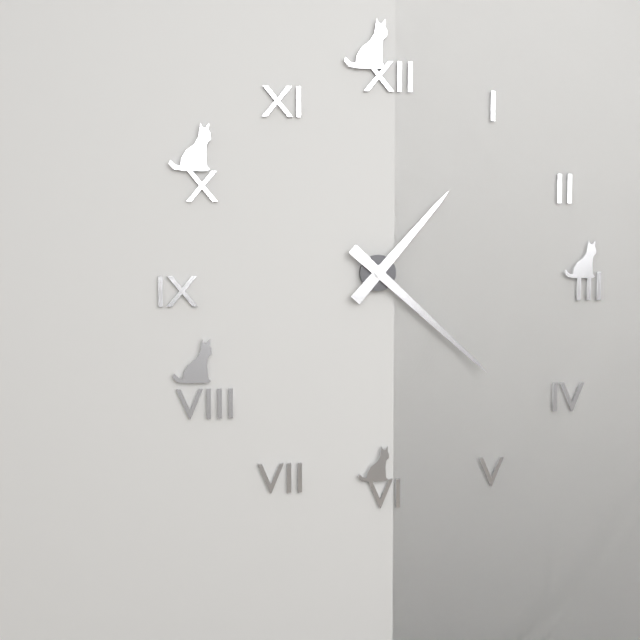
1:22
